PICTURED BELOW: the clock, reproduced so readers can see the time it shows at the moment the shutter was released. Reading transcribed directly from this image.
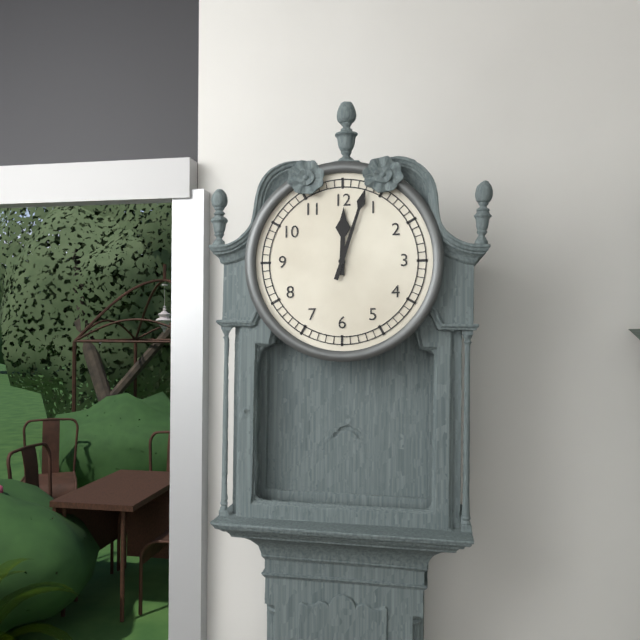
12:03
